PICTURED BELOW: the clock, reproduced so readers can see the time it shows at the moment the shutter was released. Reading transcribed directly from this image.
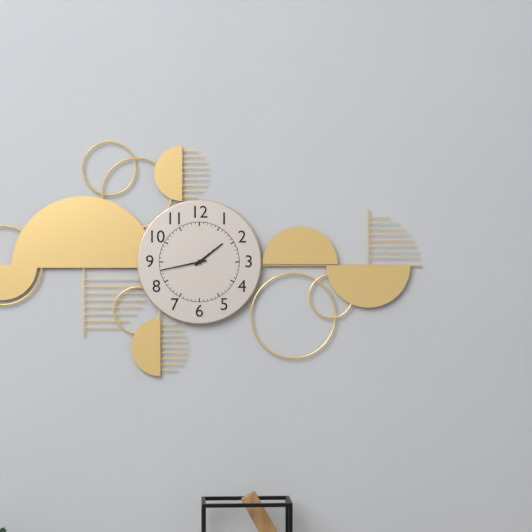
1:43
